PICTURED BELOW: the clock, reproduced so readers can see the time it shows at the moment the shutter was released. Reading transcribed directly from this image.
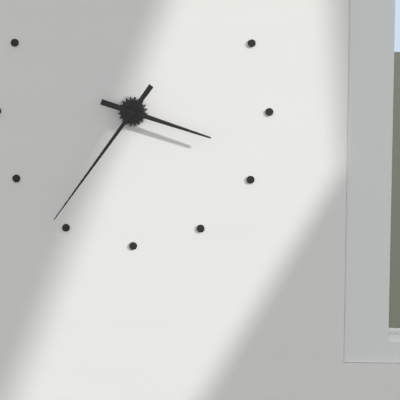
3:36
